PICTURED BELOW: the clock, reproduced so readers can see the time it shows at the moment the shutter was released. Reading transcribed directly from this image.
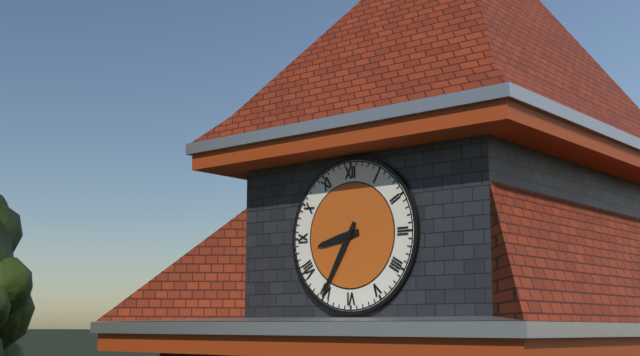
8:35
